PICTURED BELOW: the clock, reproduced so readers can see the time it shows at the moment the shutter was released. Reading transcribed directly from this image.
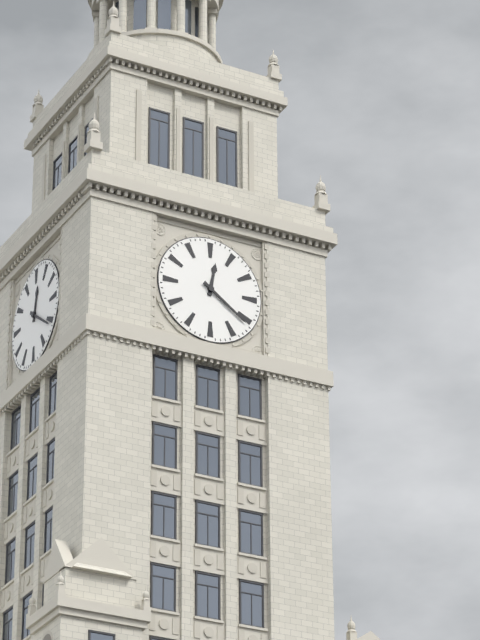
12:21
